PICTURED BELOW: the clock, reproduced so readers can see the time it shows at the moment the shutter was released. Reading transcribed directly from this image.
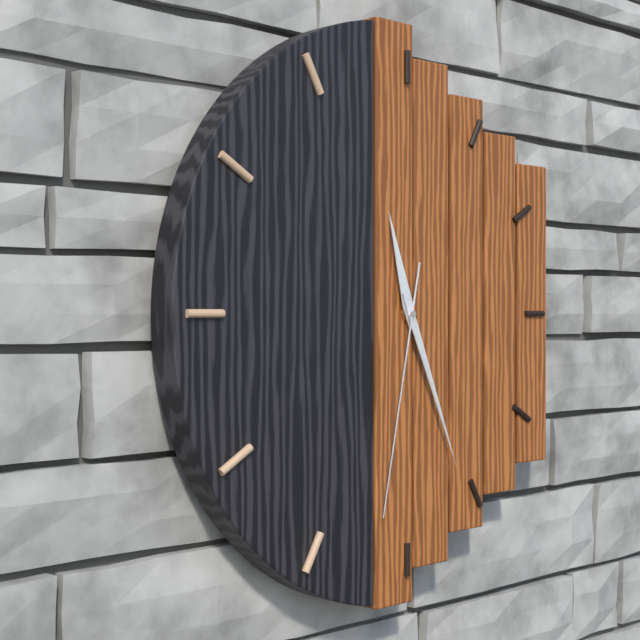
11:26:32
